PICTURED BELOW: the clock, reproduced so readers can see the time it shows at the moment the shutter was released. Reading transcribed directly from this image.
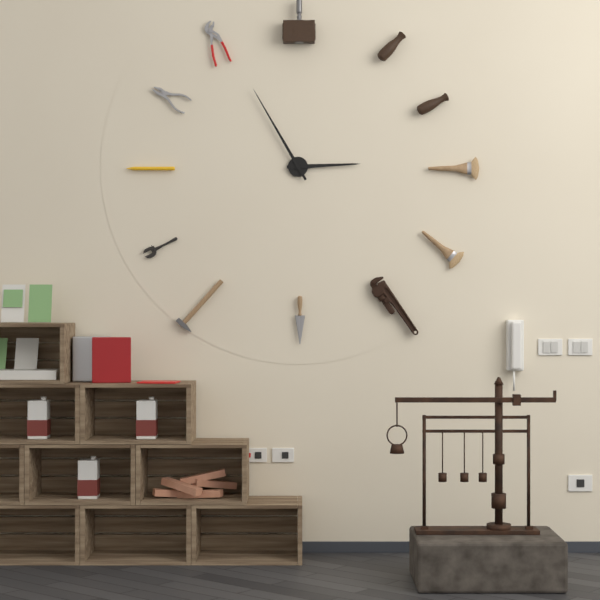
2:55
